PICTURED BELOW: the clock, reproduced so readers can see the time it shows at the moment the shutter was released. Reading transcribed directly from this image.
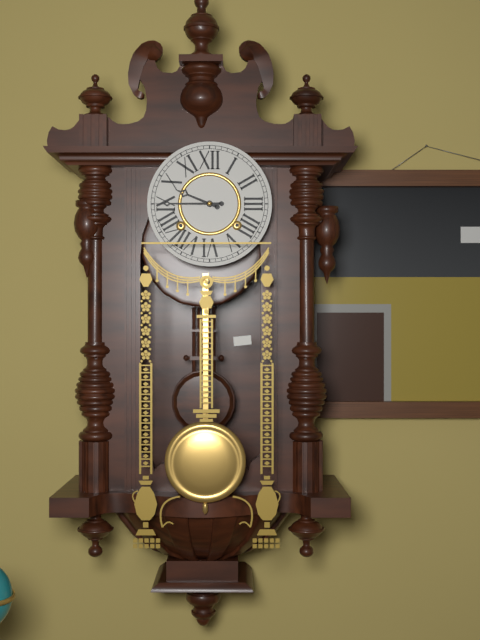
9:45
